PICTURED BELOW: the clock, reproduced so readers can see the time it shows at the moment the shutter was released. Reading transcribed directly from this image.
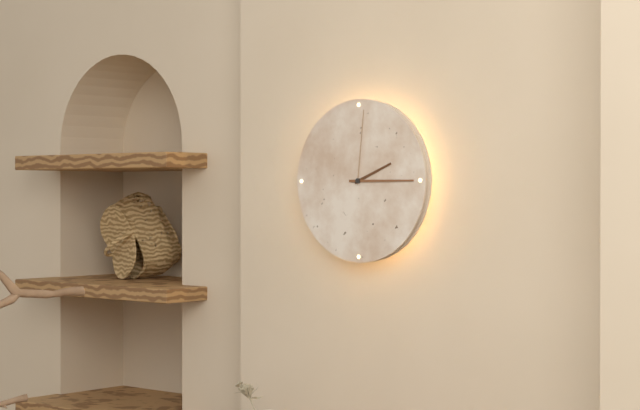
2:15:01
